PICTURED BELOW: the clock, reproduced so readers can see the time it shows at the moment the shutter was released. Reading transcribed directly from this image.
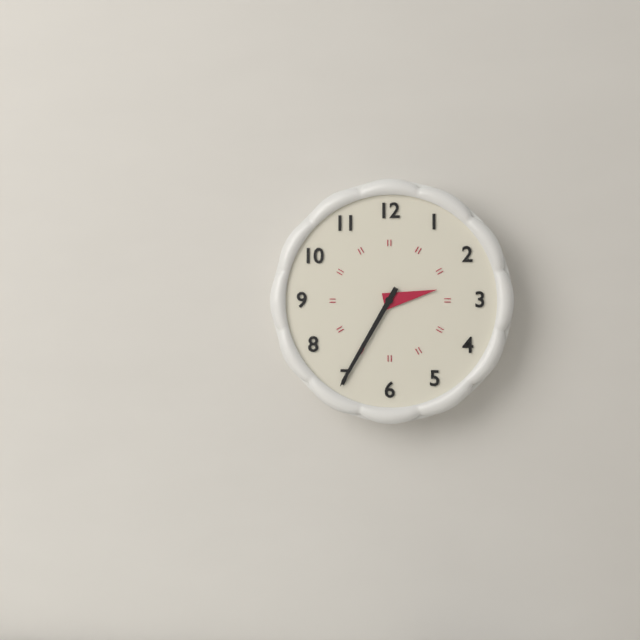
2:35
